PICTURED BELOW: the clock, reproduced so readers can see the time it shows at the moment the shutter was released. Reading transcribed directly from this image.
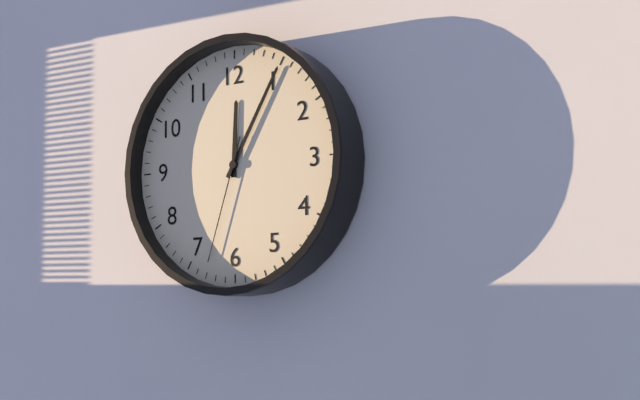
12:05:33
